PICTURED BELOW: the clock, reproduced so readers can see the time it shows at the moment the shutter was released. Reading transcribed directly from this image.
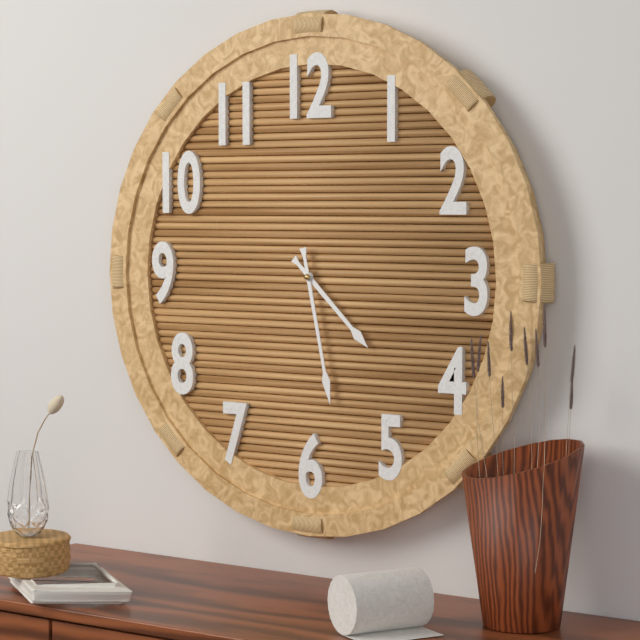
4:28
